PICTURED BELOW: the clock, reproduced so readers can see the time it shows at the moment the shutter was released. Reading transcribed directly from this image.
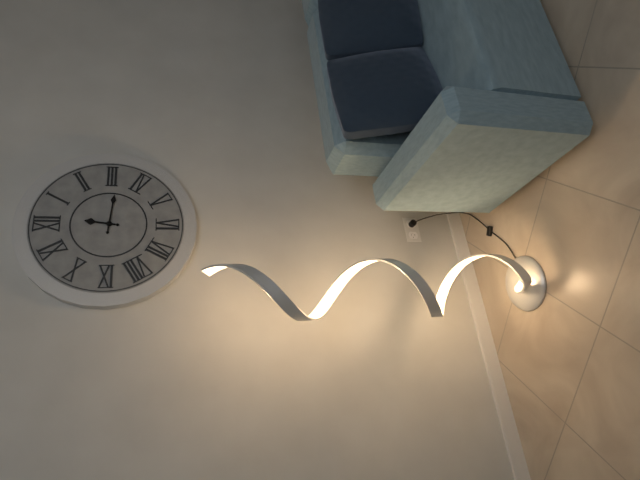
12:16
